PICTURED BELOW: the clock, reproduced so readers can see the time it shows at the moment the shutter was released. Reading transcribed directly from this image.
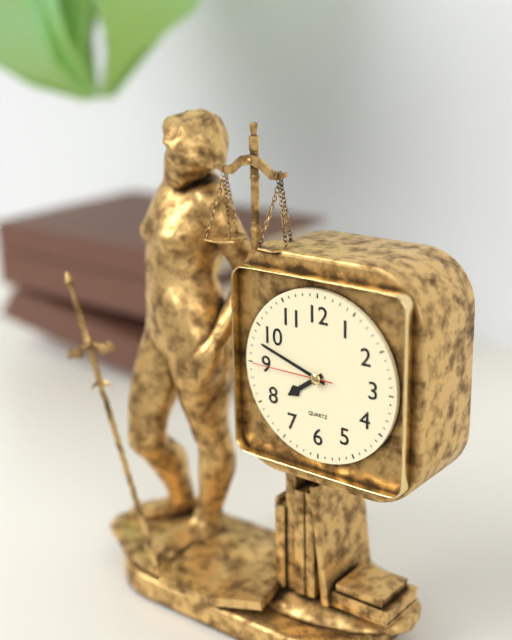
7:48:45
